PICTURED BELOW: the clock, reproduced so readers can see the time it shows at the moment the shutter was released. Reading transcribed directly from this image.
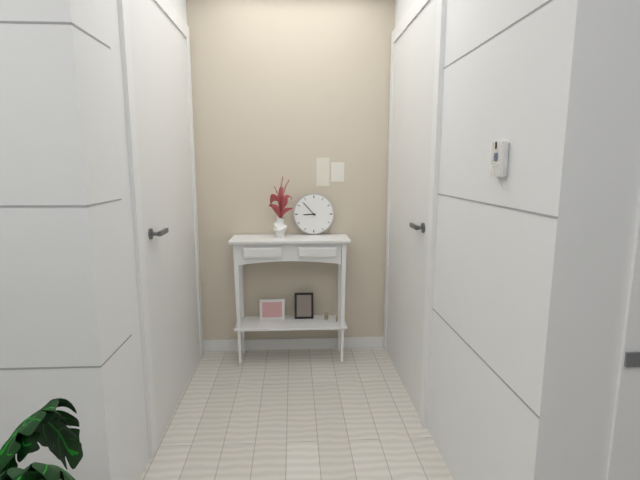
8:53
